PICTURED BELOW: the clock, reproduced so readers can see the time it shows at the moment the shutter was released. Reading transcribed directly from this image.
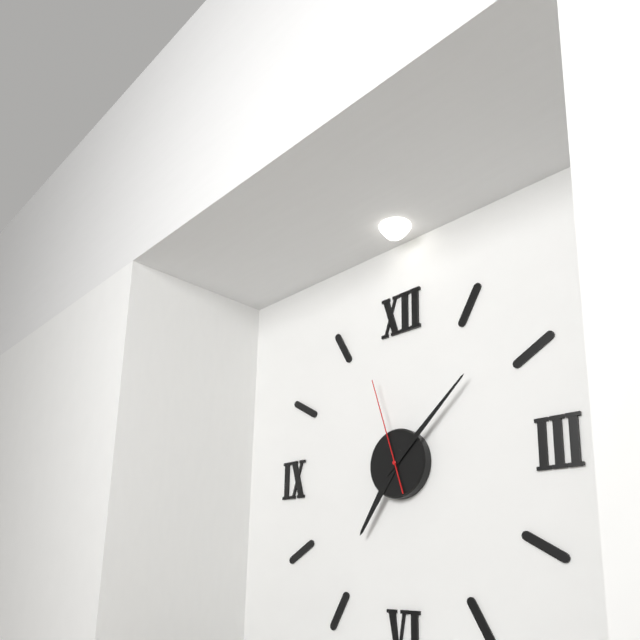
7:08:57
